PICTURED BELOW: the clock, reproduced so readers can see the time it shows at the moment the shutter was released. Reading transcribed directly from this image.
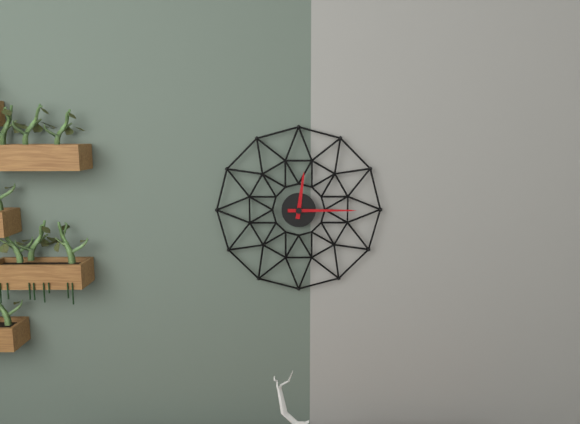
12:15
